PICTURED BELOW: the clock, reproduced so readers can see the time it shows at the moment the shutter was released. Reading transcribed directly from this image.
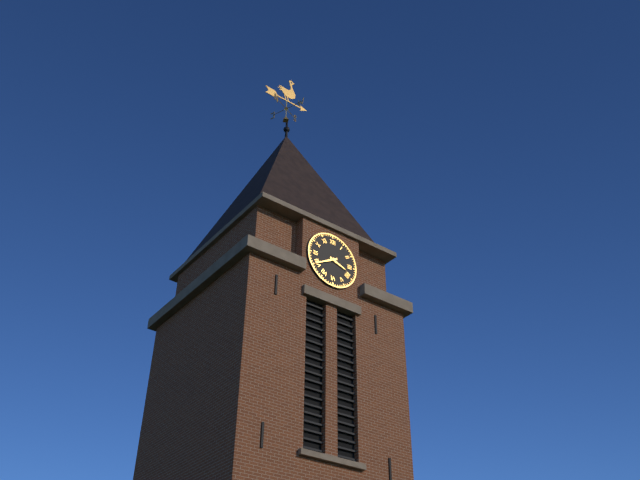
3:40
